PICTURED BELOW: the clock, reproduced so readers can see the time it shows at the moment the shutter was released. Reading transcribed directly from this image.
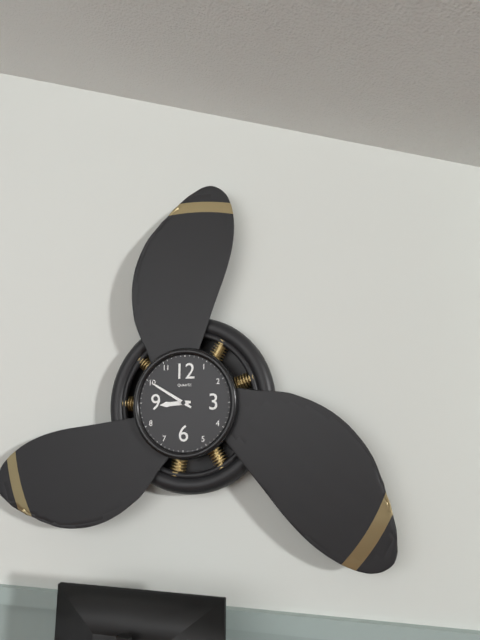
8:50
